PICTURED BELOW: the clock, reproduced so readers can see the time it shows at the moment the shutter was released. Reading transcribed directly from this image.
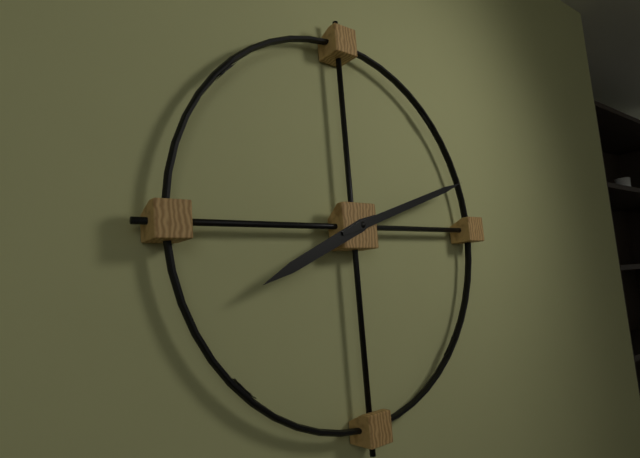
8:12
